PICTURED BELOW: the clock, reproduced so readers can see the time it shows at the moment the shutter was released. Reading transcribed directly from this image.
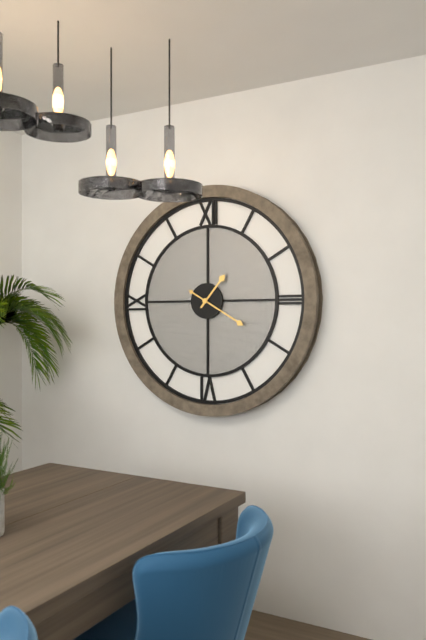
1:20
